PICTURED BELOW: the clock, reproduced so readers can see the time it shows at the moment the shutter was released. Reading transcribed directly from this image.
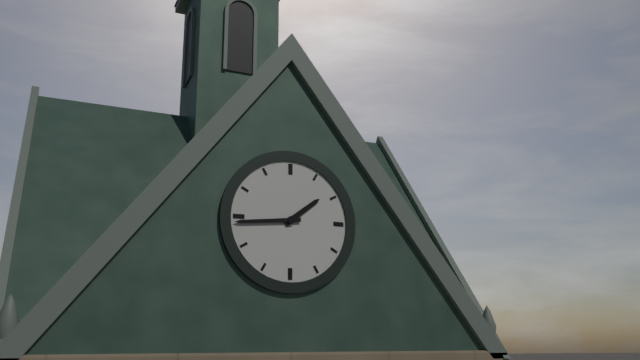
1:44
